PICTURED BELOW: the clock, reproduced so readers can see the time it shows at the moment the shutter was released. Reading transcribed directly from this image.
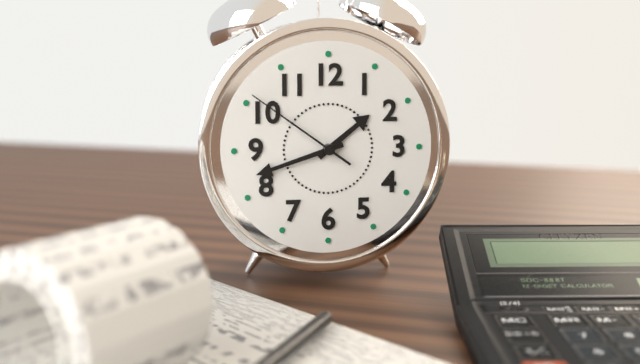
1:42:51
